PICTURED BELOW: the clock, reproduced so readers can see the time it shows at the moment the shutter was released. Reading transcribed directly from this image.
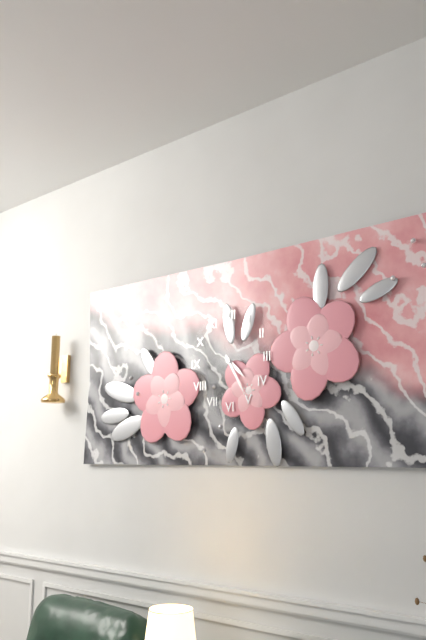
4:25
